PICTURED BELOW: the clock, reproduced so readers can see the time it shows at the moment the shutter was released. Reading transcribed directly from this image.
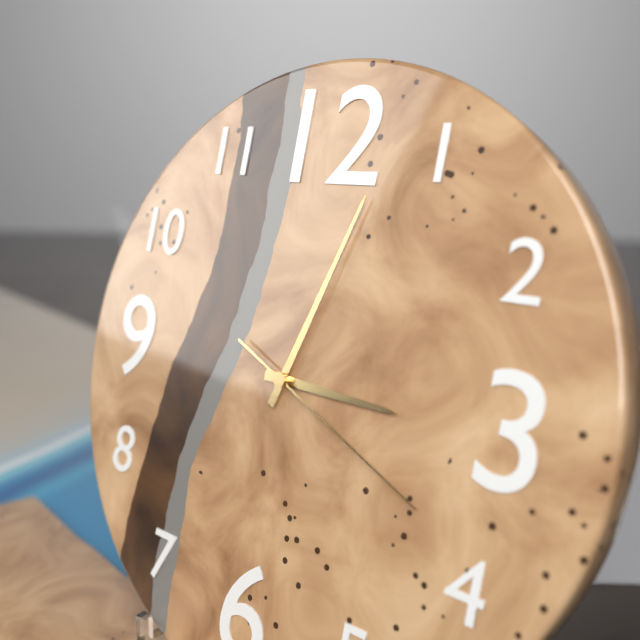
3:03:19
